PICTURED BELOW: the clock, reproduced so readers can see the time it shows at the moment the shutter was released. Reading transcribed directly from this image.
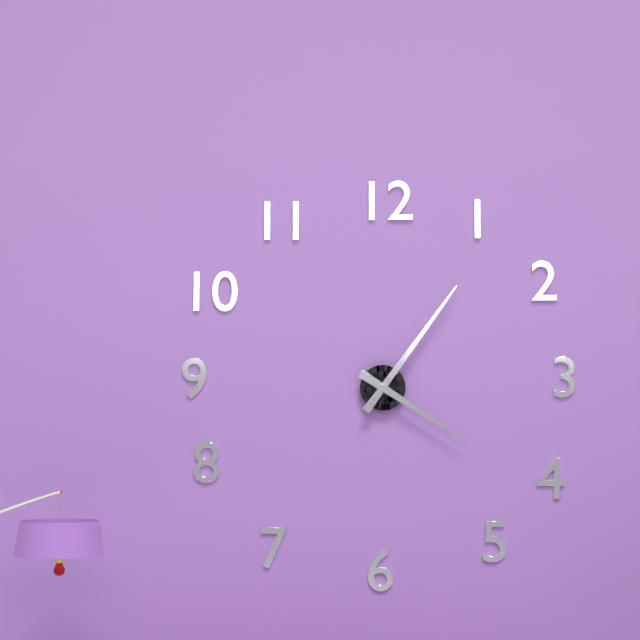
4:06
